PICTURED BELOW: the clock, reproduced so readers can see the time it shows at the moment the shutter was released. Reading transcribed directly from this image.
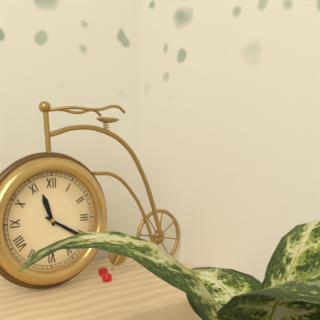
11:20
